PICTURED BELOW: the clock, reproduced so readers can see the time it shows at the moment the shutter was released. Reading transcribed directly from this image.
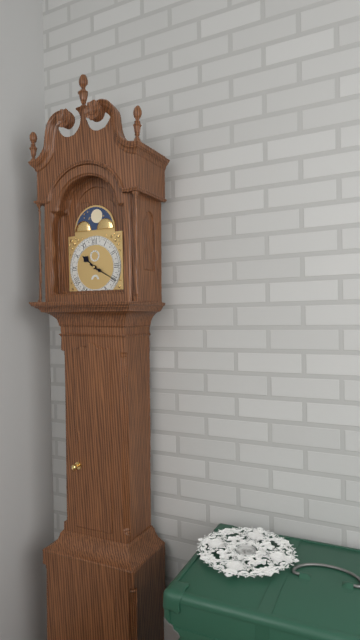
10:20
